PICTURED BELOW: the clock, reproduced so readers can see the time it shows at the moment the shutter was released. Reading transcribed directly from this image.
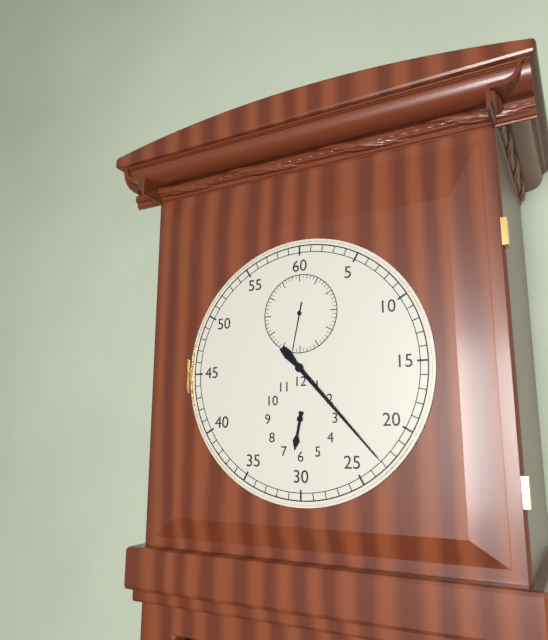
6:23
